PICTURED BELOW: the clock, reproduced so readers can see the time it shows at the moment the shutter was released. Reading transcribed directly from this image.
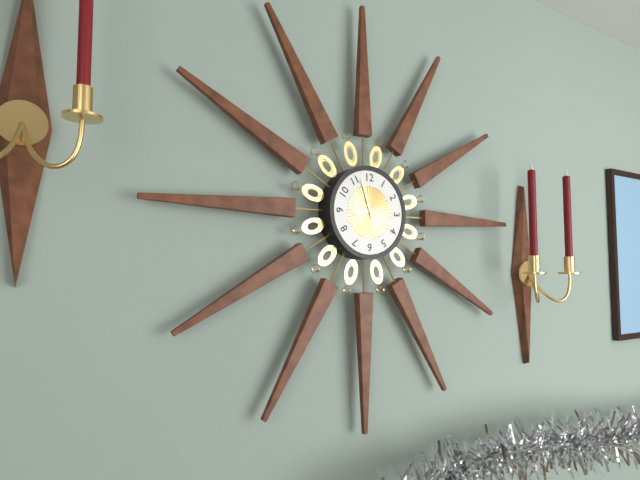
8:57
